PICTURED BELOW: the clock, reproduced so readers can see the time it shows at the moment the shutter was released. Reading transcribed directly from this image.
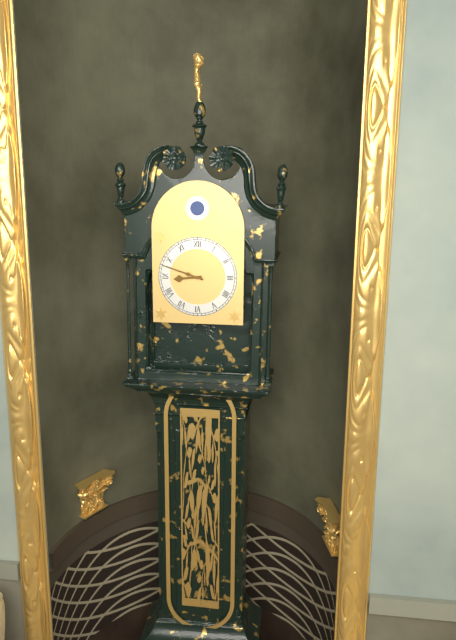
8:48
